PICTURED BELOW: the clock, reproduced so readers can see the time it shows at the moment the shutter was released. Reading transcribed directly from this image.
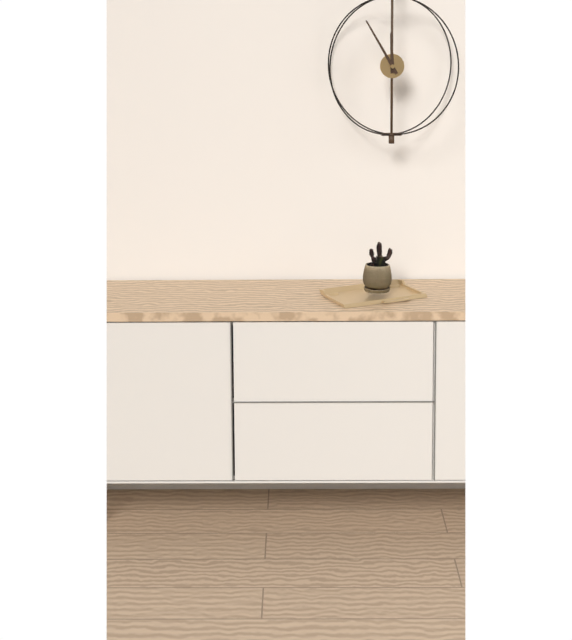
11:55
